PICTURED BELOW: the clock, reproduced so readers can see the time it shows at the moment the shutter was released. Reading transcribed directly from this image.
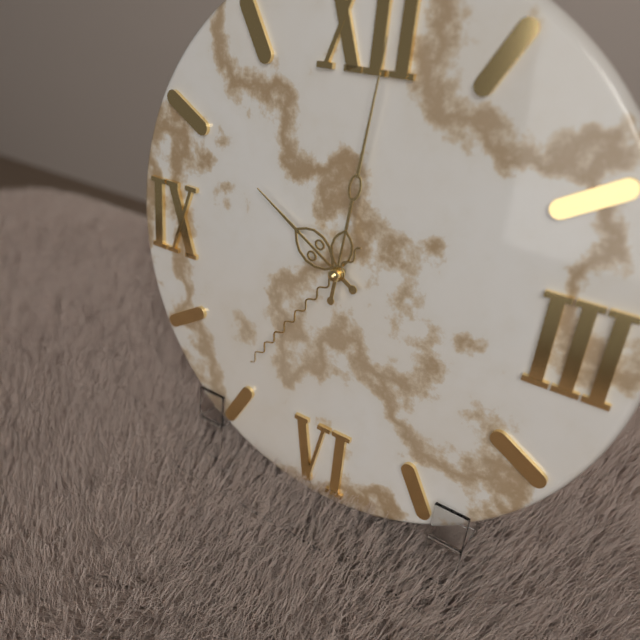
10:01:36
